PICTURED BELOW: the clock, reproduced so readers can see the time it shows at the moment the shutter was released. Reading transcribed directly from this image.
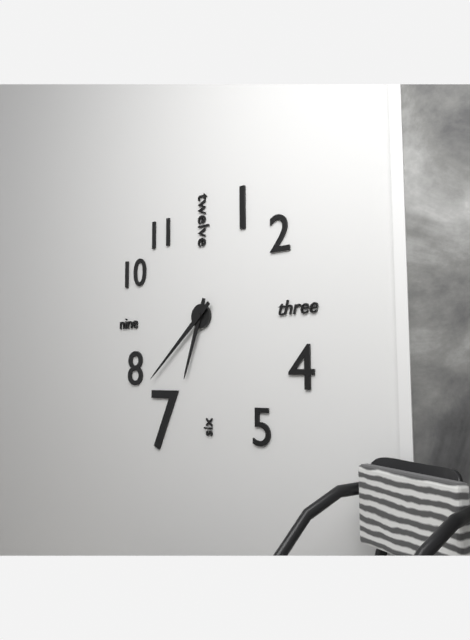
6:38
